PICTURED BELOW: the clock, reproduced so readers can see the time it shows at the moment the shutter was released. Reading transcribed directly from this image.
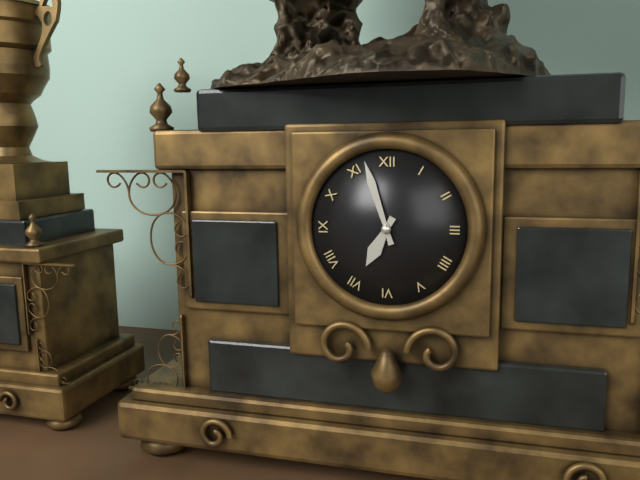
6:57
